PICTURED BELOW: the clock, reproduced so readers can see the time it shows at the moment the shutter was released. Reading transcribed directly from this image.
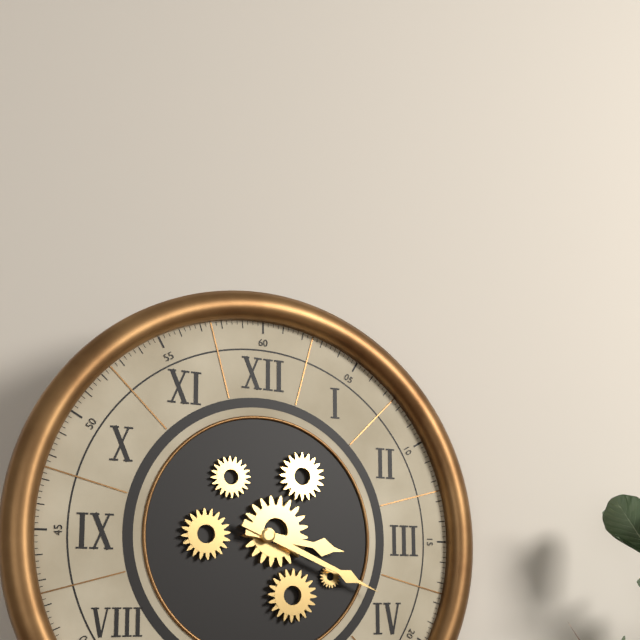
3:19
